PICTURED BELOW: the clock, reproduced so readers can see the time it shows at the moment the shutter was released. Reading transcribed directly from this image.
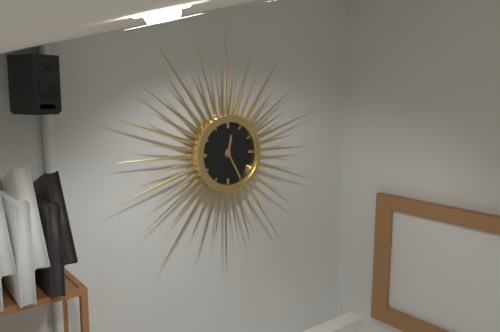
12:25
